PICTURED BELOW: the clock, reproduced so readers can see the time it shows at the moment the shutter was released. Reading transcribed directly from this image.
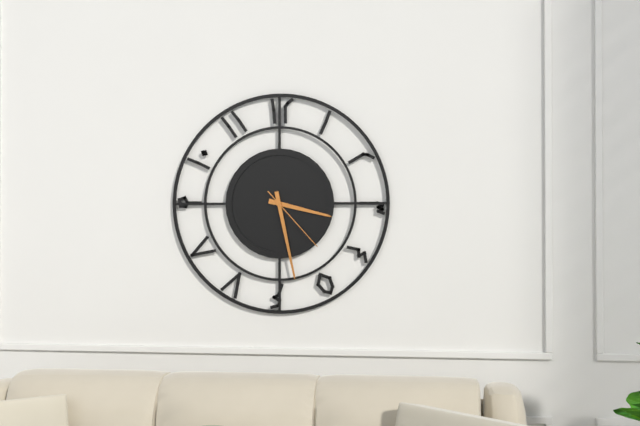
3:28:23
